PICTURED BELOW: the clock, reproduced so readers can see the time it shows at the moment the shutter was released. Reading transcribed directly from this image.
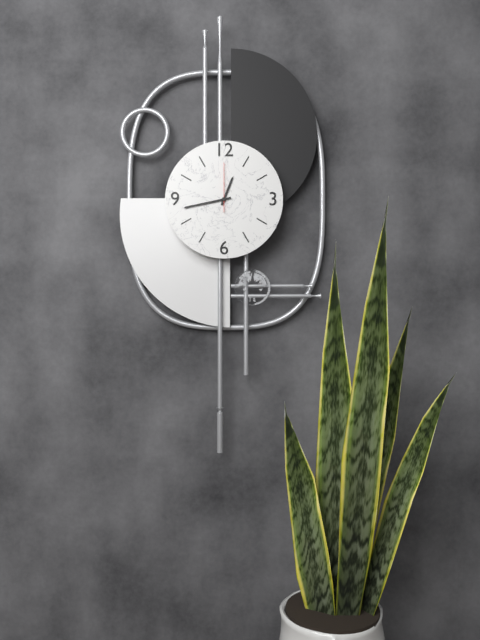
12:43
